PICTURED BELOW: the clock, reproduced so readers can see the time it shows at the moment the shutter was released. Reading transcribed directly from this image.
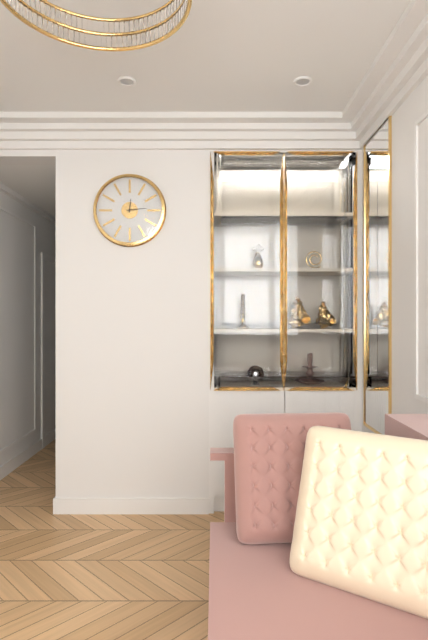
12:14
